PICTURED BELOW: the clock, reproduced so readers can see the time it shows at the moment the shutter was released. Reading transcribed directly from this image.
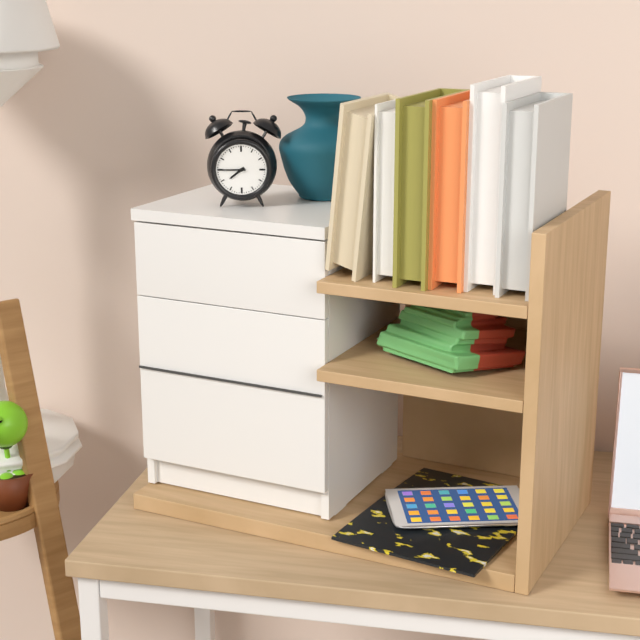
7:45
